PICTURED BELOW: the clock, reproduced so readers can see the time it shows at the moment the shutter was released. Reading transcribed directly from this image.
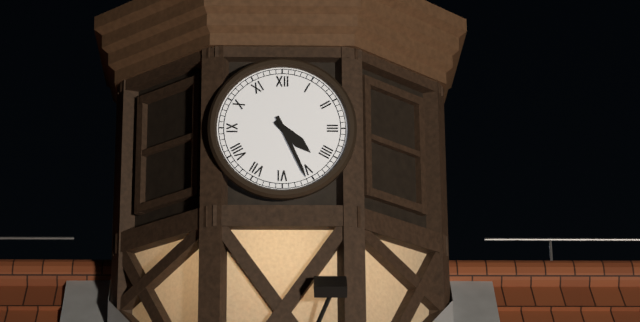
4:26
